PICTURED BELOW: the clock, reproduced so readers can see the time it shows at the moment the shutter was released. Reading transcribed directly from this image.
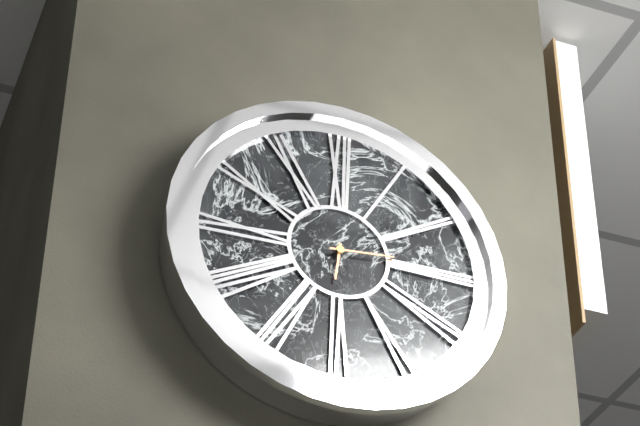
6:14
